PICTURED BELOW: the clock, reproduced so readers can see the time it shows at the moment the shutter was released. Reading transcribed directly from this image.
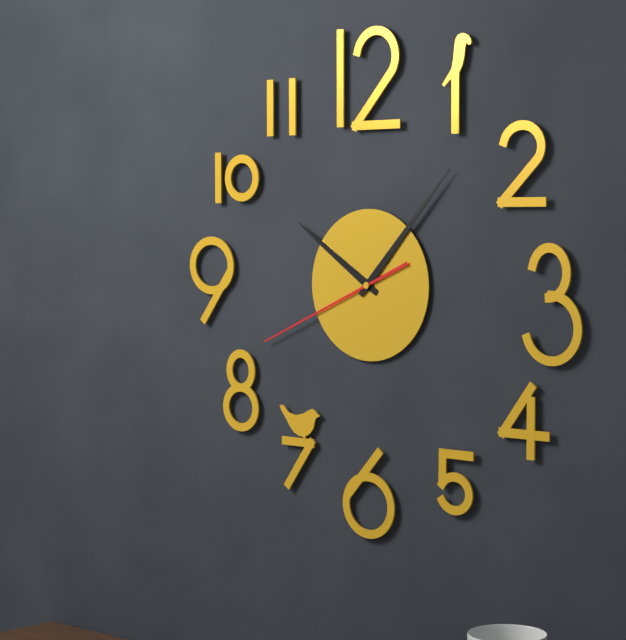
10:07:41
